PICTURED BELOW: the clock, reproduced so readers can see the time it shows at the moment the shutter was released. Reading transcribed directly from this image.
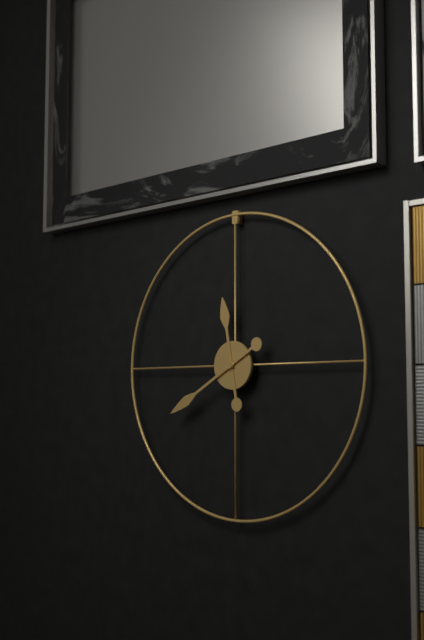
11:40
